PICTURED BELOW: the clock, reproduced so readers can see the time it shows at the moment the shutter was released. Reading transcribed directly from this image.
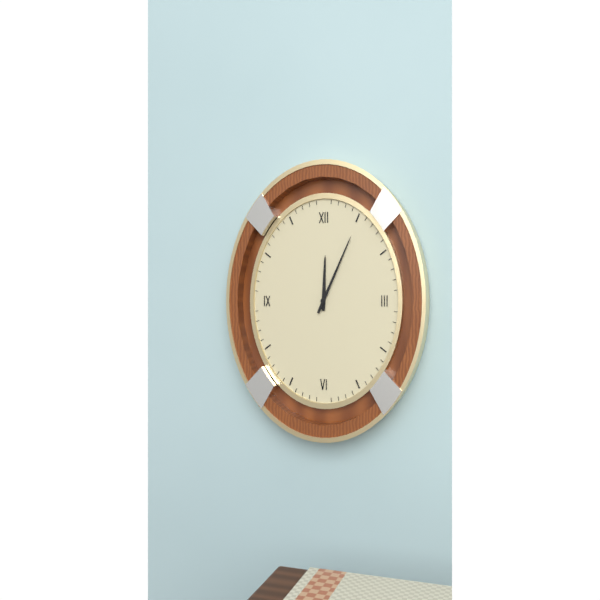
12:04
